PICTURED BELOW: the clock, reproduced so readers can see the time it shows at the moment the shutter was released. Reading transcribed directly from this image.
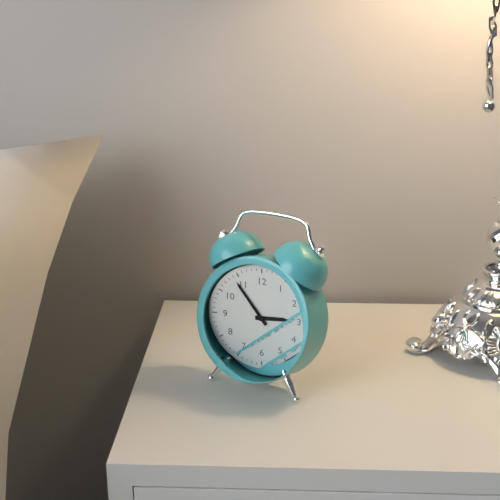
2:54
